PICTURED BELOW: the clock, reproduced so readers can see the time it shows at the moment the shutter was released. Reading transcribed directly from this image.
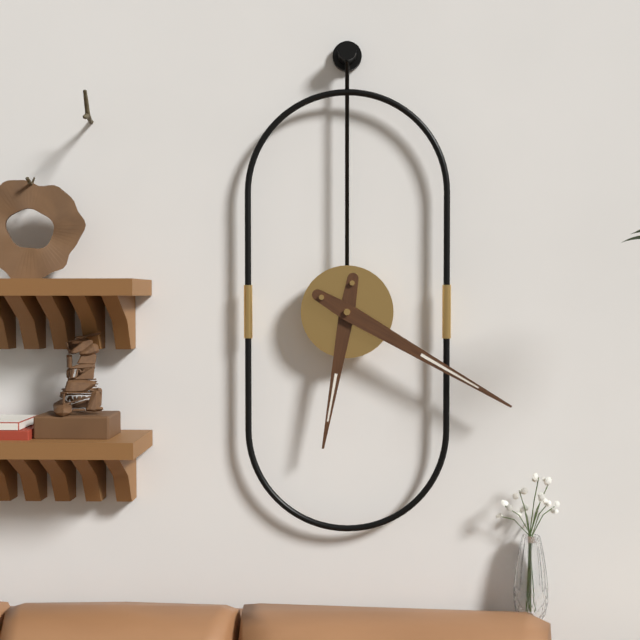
6:20
